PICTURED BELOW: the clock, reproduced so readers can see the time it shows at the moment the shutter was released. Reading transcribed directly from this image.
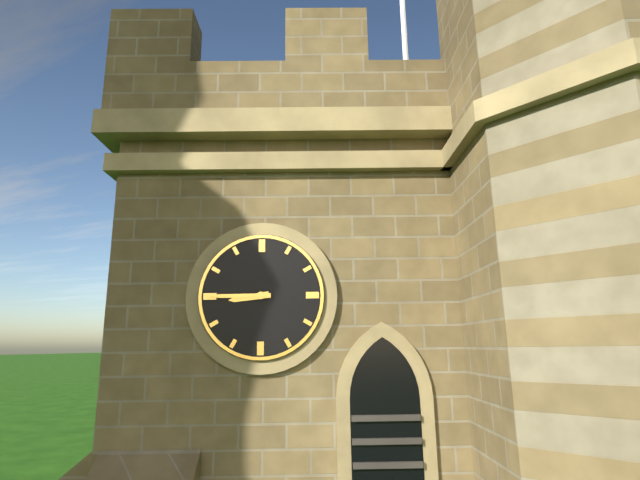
8:45
